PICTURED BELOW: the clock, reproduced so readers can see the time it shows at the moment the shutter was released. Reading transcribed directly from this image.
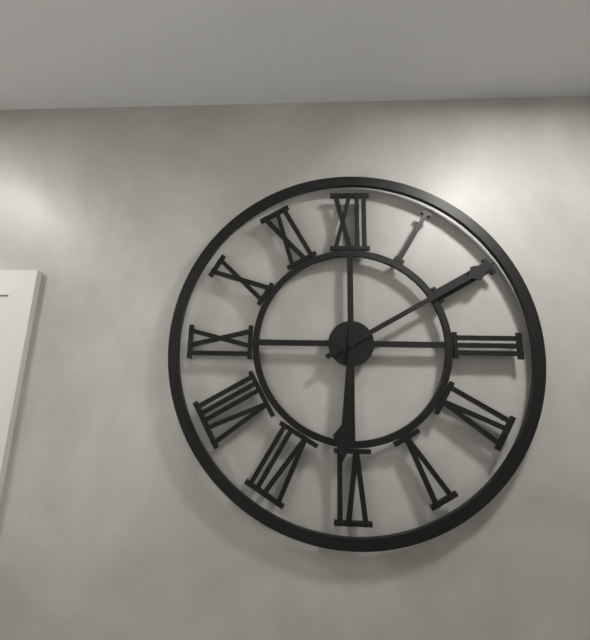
6:10
